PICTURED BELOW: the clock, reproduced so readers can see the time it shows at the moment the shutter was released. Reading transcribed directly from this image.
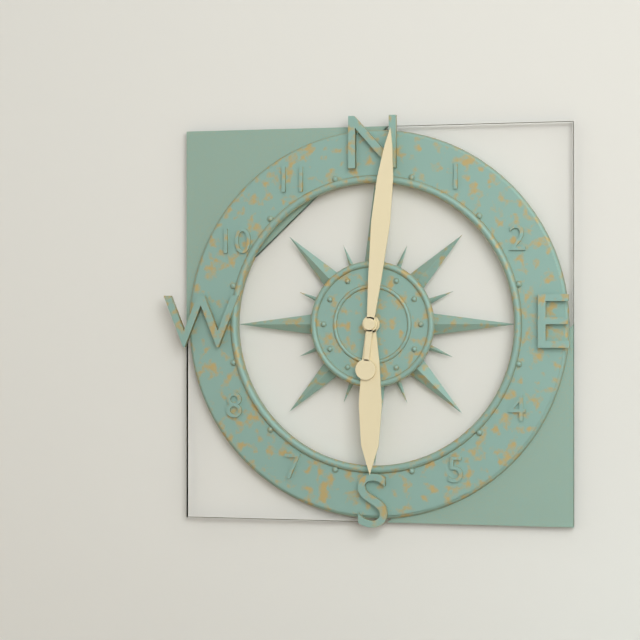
6:01
